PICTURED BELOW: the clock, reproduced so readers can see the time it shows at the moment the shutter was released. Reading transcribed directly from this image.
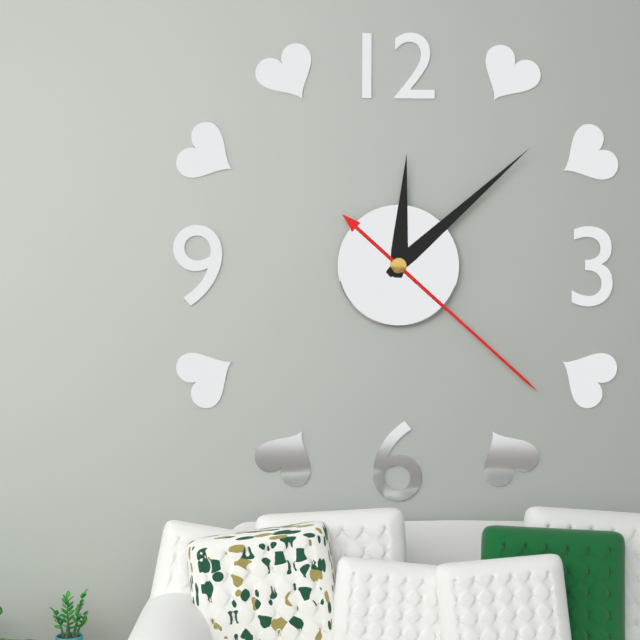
12:08:22
